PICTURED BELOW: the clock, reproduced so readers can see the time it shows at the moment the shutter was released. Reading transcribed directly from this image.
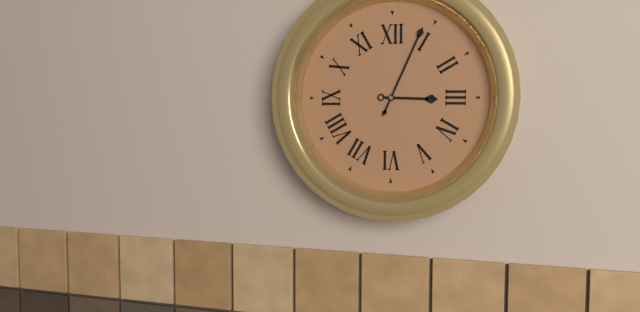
3:04
